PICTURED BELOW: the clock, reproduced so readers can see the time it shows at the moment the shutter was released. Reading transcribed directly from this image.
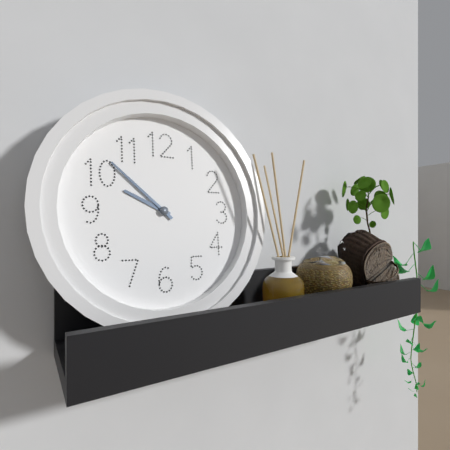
9:52
